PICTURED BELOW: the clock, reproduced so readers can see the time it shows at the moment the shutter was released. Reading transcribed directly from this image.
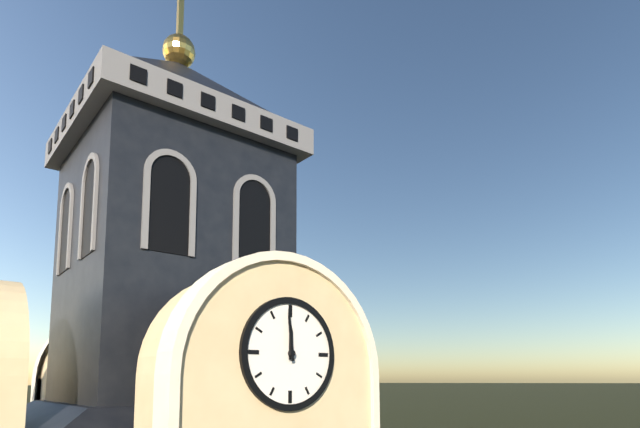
11:59
